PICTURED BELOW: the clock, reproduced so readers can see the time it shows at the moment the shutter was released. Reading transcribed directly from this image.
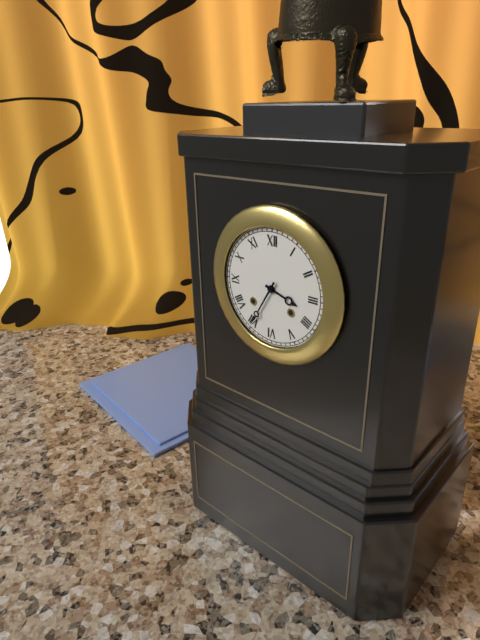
3:35
